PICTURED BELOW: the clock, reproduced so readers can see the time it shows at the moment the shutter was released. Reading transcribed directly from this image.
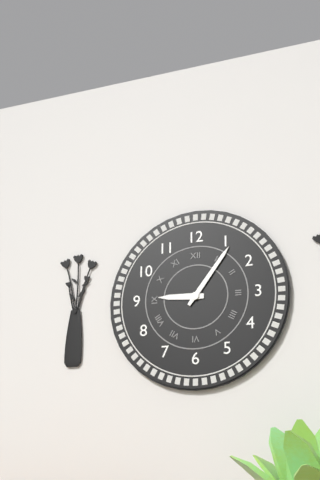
9:06
